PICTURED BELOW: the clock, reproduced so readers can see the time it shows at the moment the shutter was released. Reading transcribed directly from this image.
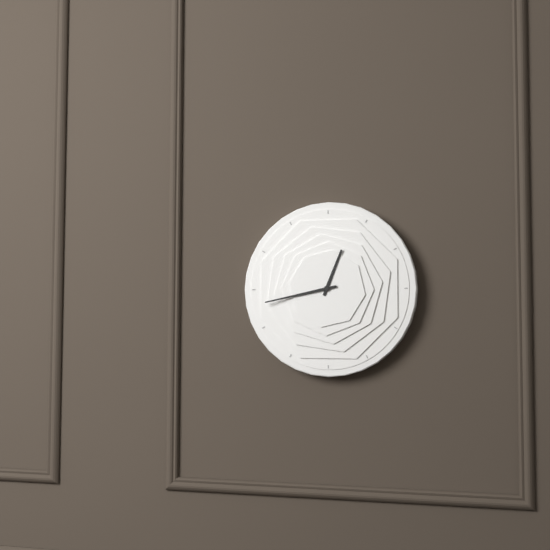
12:43
